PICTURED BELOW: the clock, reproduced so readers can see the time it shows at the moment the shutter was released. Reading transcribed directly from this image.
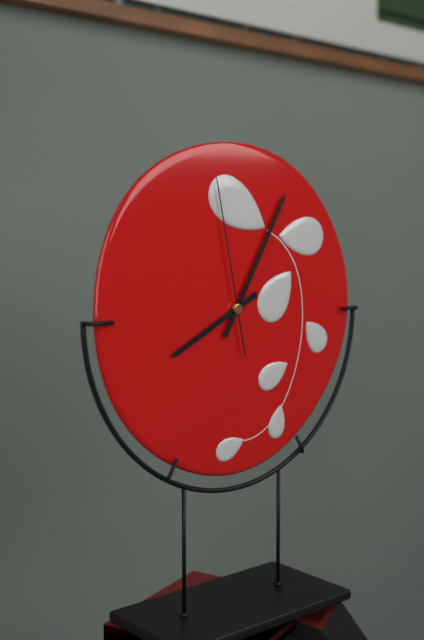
8:05:58
